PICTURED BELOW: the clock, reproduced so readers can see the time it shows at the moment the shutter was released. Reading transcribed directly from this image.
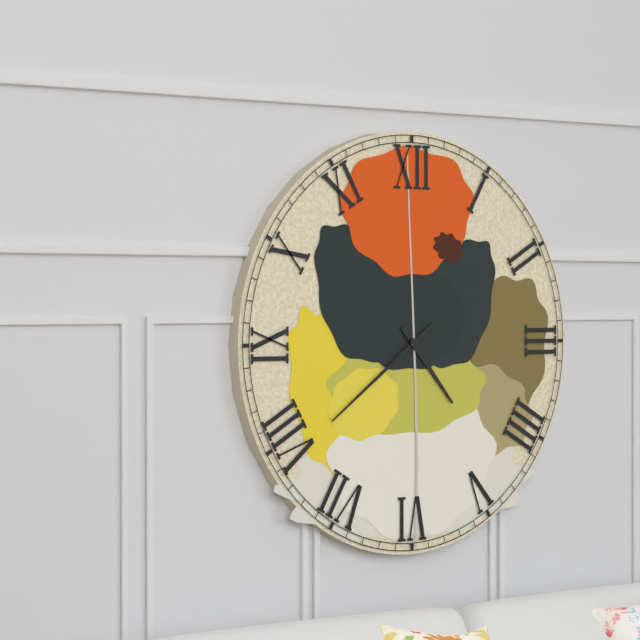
4:39
